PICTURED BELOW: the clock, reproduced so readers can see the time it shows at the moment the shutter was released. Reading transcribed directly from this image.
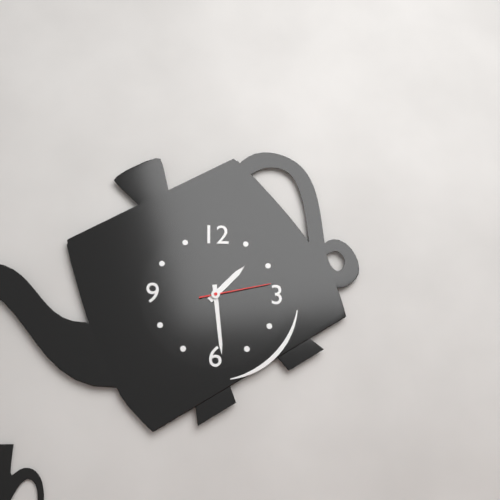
1:29:13
